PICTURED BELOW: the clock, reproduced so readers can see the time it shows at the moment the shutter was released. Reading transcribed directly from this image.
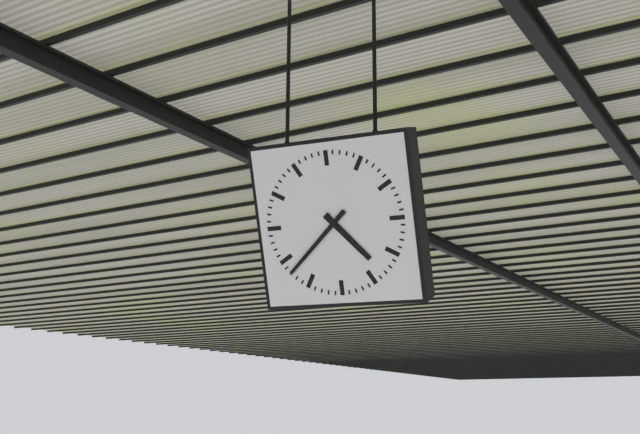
4:38
